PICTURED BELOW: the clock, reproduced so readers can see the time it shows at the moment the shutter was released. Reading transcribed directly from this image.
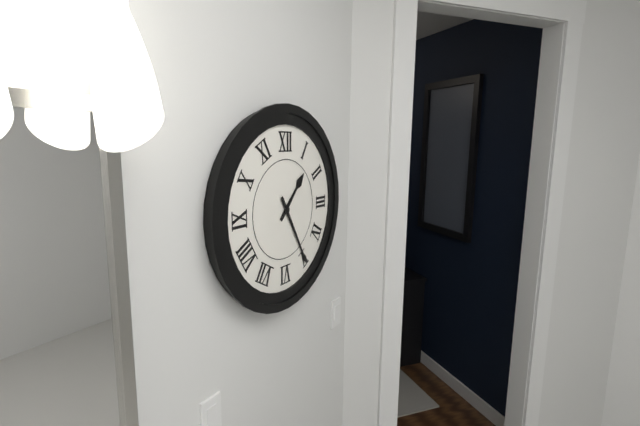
1:25
